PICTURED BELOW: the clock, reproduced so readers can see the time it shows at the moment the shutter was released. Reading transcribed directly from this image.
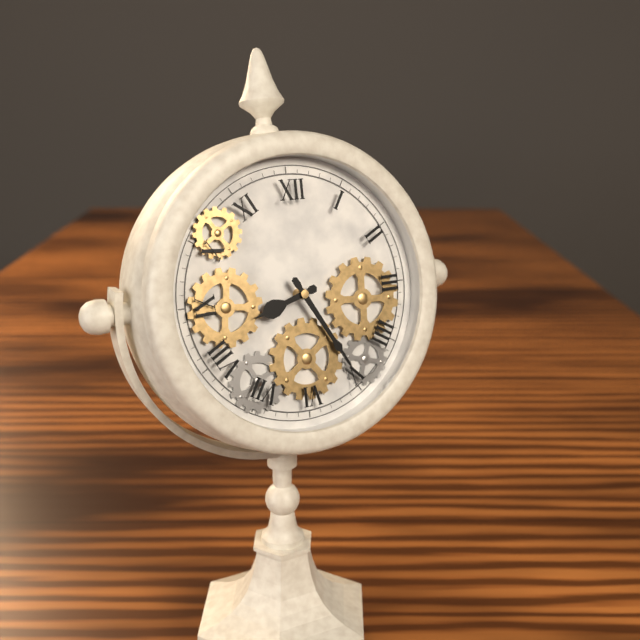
8:25
